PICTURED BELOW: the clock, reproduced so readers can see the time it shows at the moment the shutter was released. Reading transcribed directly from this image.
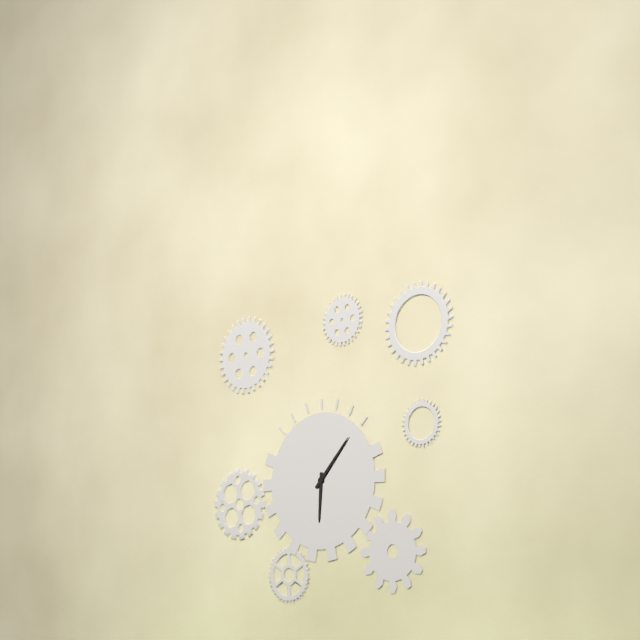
6:07
